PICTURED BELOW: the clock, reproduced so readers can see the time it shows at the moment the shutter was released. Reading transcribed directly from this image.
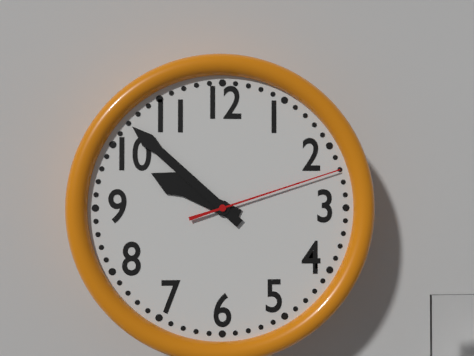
9:52:12
